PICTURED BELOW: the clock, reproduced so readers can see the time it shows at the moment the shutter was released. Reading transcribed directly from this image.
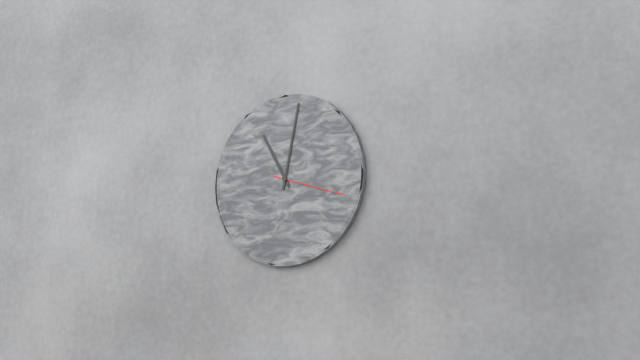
11:02:18
